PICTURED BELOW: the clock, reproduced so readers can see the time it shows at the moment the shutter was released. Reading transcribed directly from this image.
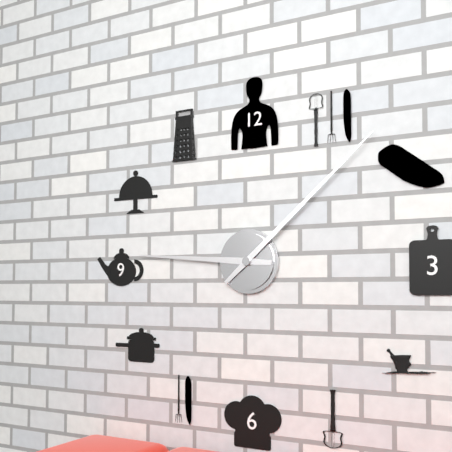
9:08
